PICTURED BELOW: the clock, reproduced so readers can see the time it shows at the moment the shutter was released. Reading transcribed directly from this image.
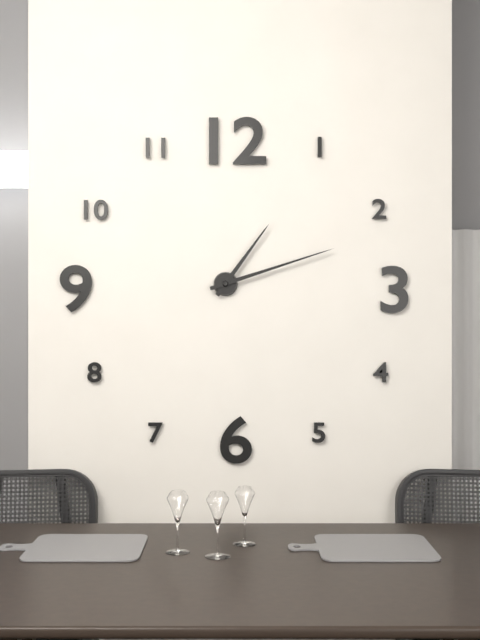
1:12
